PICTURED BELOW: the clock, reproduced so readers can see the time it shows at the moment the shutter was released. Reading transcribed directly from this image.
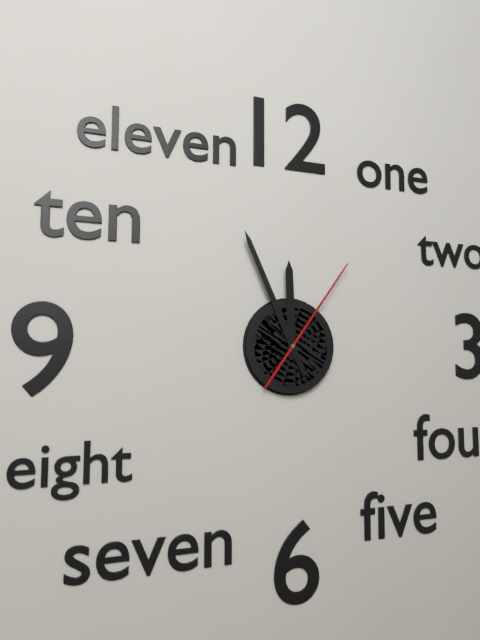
11:56:06
